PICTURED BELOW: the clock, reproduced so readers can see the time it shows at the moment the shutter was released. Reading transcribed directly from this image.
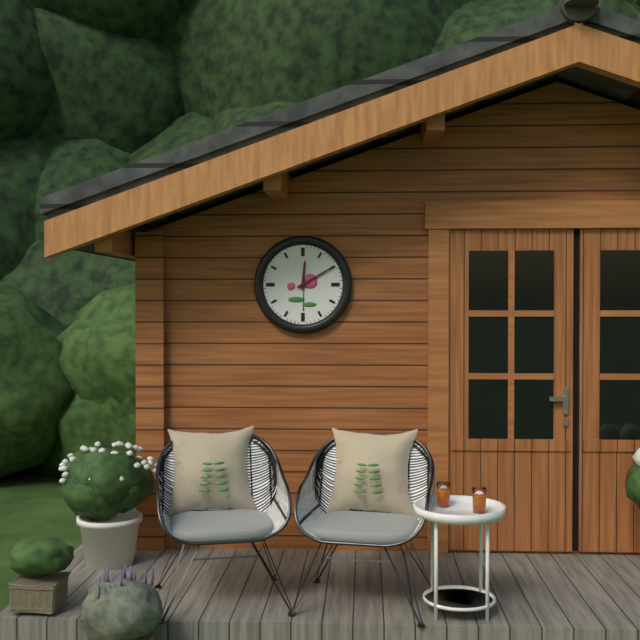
12:10
